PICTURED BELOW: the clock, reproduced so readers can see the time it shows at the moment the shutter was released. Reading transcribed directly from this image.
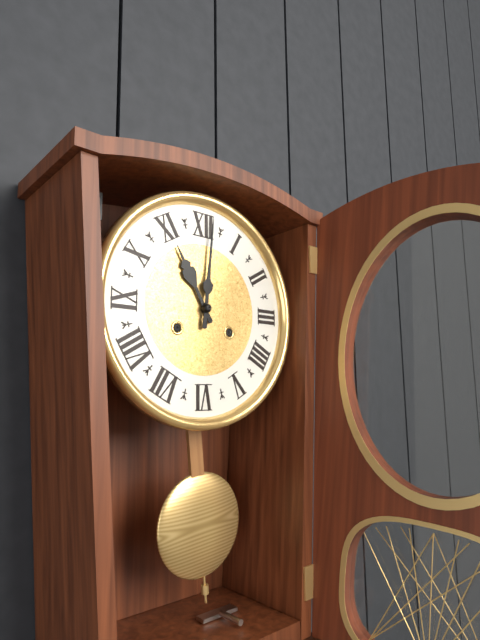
11:01
